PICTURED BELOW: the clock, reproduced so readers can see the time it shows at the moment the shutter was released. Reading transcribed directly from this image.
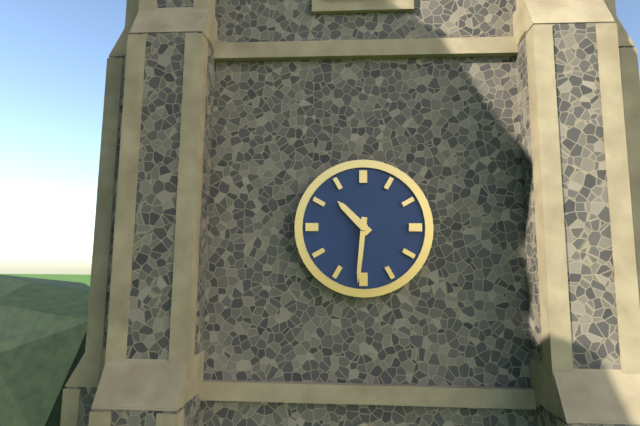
10:31
